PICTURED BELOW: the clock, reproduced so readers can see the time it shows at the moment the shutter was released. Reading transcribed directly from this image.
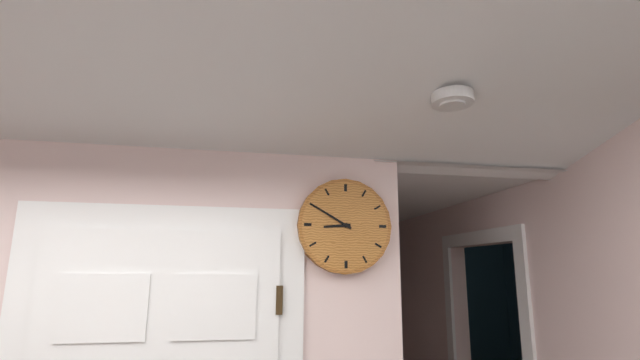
8:50
